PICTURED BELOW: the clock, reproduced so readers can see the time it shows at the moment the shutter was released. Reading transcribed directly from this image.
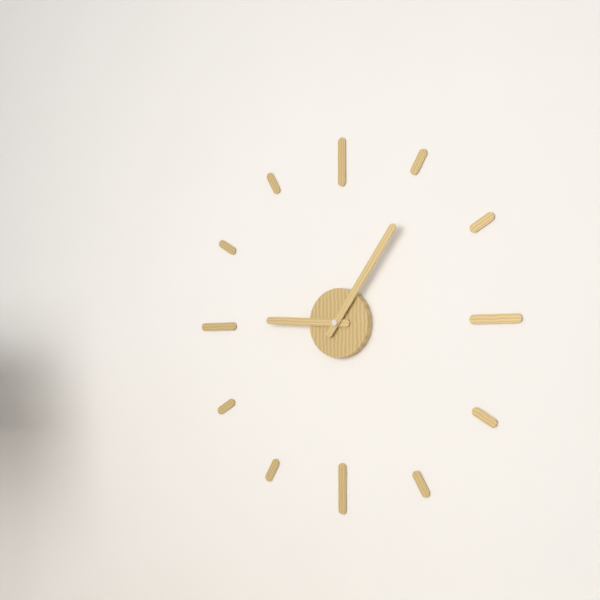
9:06
